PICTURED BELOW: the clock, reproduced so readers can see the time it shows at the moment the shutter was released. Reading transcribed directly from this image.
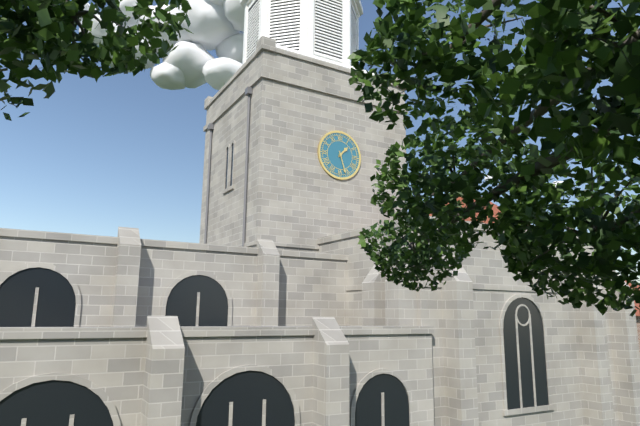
1:27
